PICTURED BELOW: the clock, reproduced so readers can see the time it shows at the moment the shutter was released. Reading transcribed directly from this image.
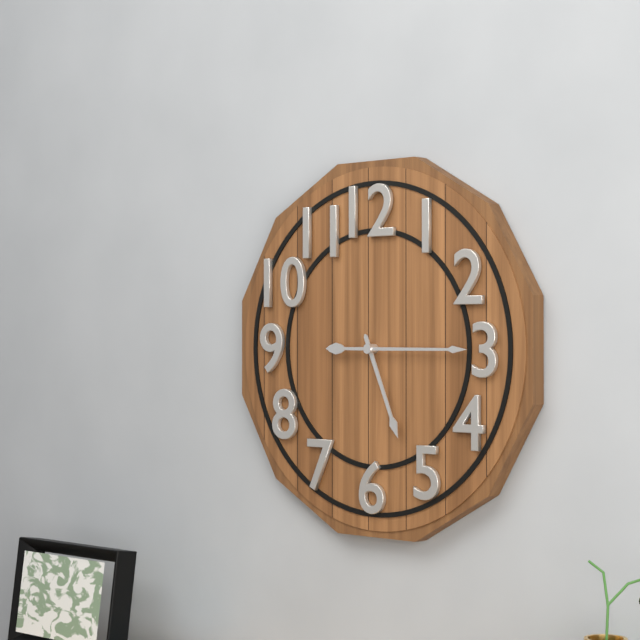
5:15
